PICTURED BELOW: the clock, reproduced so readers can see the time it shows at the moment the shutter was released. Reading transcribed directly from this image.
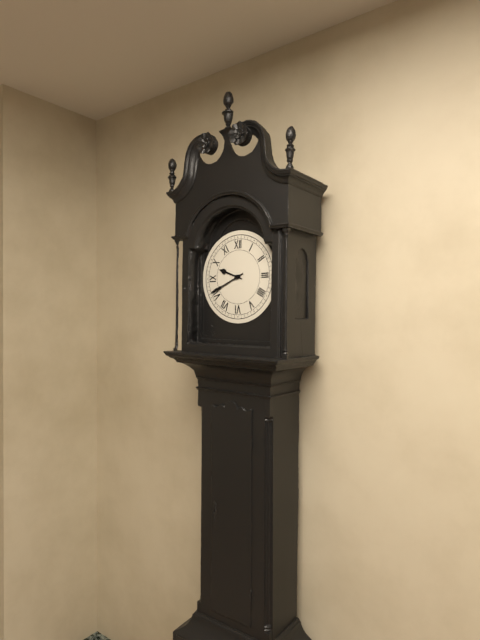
9:41
